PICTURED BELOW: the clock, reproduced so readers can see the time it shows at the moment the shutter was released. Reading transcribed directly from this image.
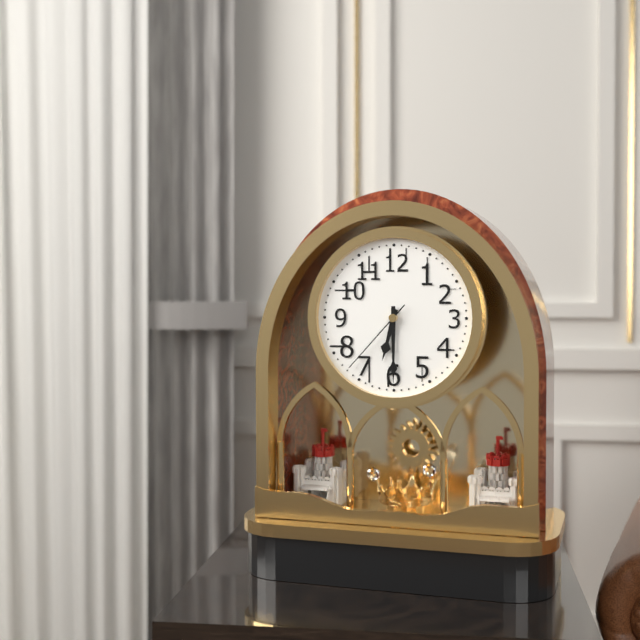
6:30:37
